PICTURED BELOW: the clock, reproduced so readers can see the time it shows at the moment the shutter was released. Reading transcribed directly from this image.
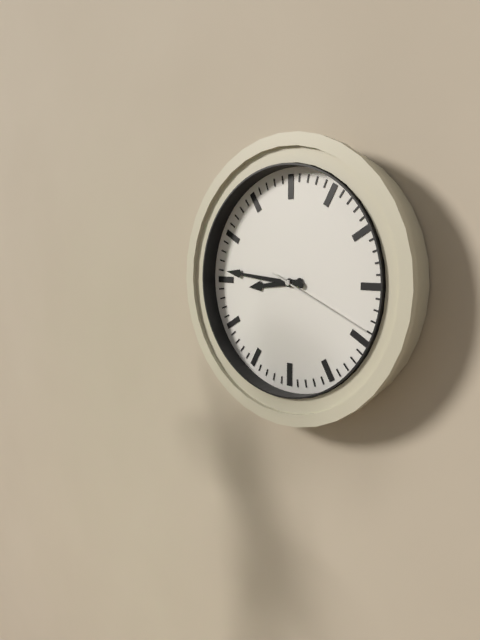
8:46:19
